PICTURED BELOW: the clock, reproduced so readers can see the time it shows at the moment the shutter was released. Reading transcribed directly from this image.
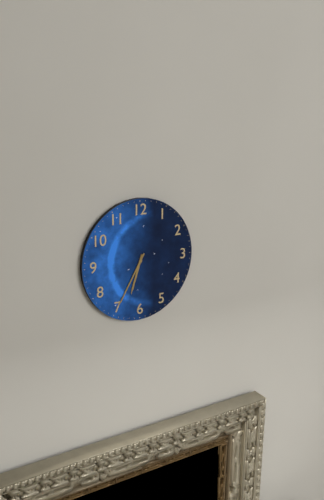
6:35
